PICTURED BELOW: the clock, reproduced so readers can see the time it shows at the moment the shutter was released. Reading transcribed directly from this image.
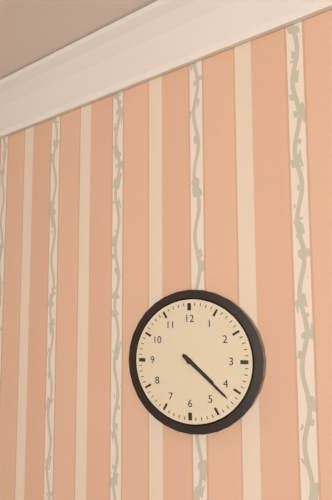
4:22
